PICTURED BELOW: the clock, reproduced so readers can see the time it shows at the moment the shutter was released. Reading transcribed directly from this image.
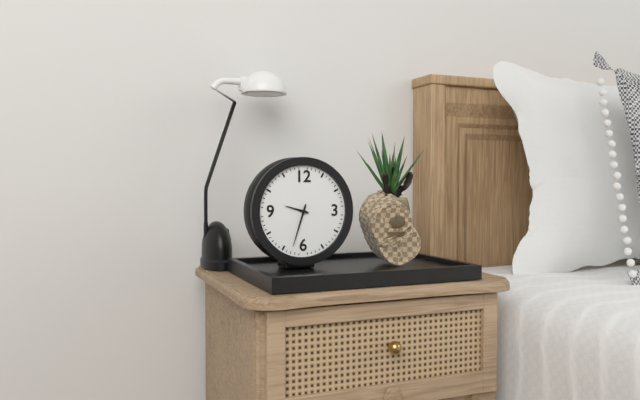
9:33
